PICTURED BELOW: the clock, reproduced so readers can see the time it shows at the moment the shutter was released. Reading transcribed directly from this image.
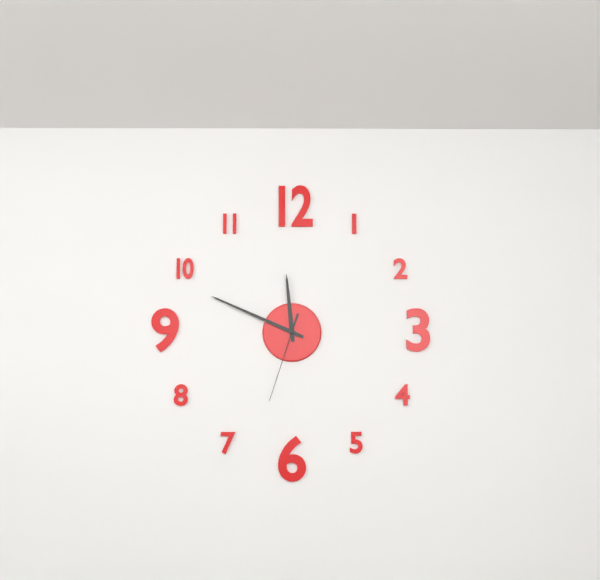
11:49:33
